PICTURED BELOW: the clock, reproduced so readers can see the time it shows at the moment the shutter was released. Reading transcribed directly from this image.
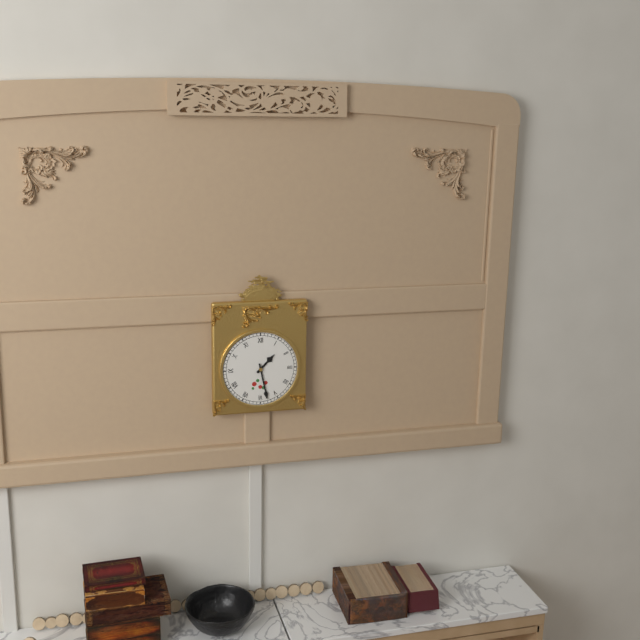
1:28
